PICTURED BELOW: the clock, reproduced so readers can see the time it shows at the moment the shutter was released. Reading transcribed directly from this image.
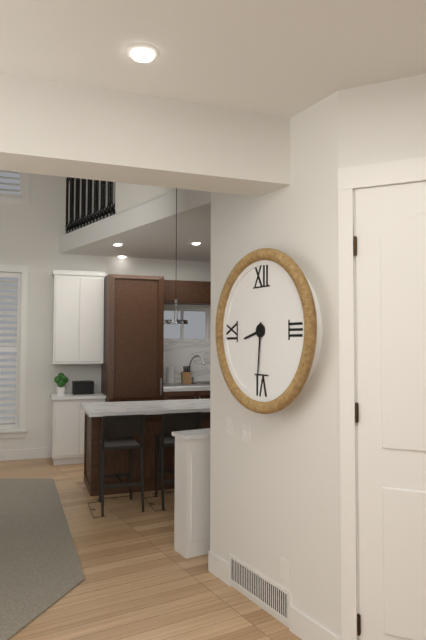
8:31
